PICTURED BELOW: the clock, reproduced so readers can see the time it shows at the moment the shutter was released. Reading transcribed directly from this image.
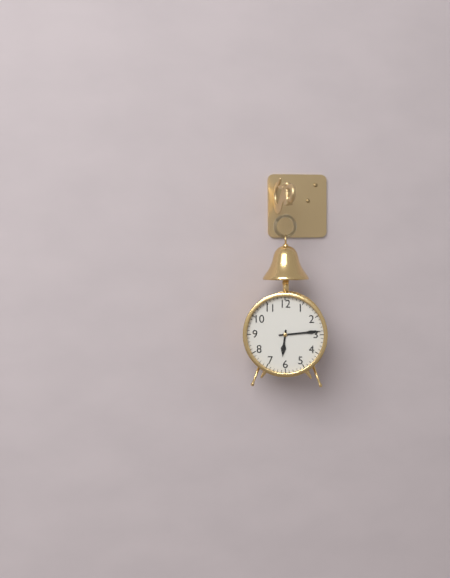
6:14
